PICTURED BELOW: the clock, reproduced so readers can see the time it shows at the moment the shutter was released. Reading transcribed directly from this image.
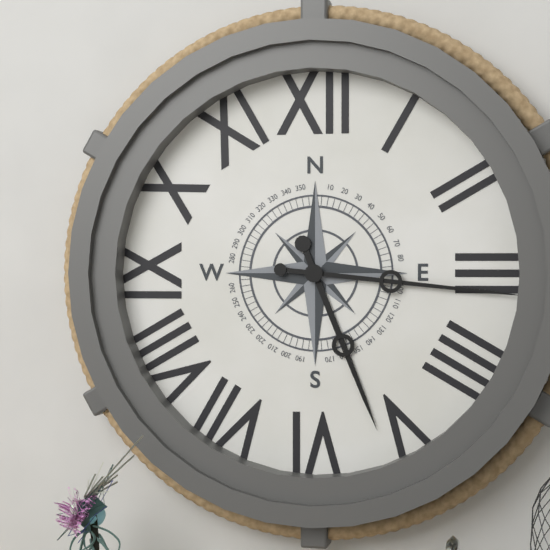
5:16
